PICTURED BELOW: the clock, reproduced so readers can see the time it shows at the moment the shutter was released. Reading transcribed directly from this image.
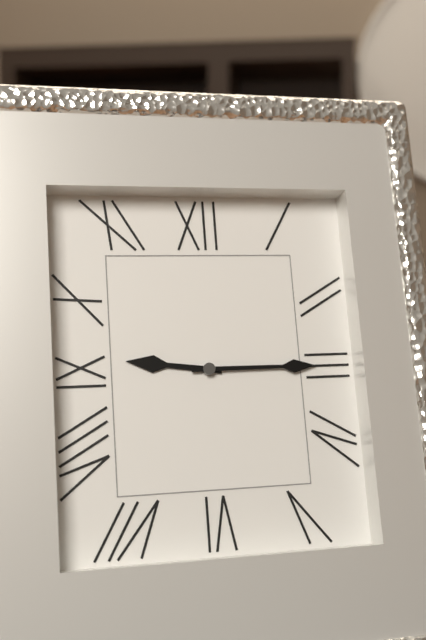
9:15
